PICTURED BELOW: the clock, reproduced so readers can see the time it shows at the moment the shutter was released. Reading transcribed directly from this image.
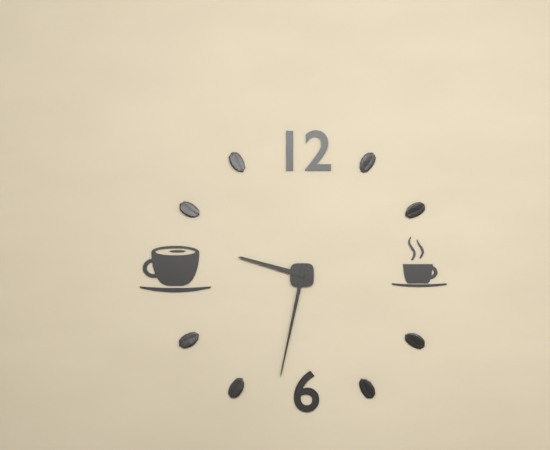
9:32
